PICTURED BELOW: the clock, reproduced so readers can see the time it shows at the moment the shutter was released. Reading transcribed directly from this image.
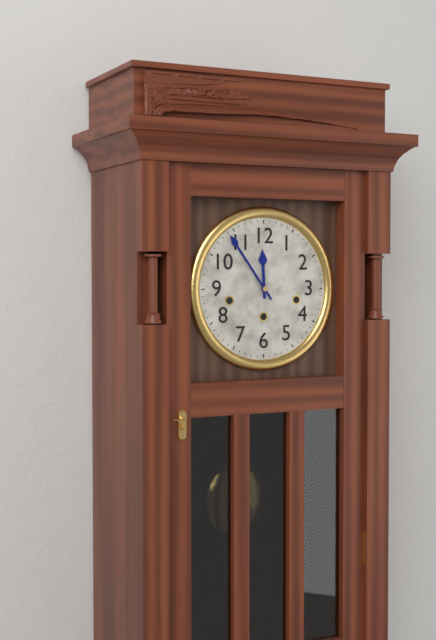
11:54
